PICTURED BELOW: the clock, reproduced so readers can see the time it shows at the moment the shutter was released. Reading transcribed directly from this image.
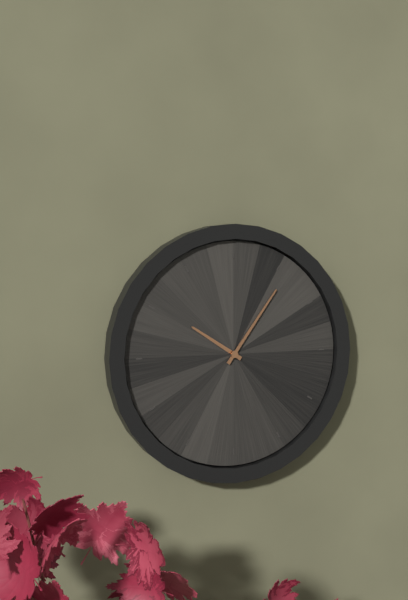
10:06
